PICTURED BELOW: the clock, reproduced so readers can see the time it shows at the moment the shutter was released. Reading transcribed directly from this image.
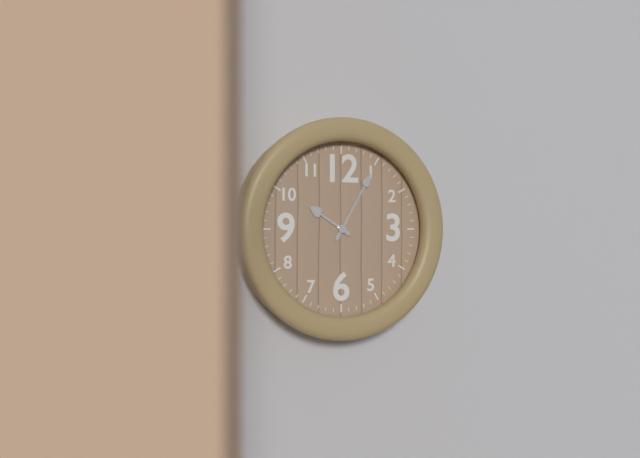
10:05
